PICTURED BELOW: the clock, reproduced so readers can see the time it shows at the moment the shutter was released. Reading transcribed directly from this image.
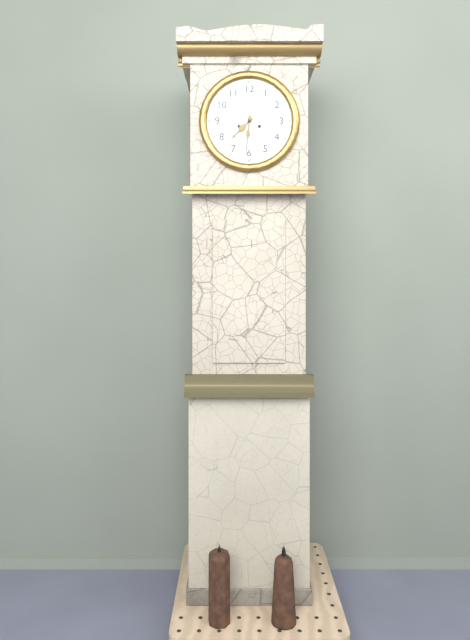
7:31
